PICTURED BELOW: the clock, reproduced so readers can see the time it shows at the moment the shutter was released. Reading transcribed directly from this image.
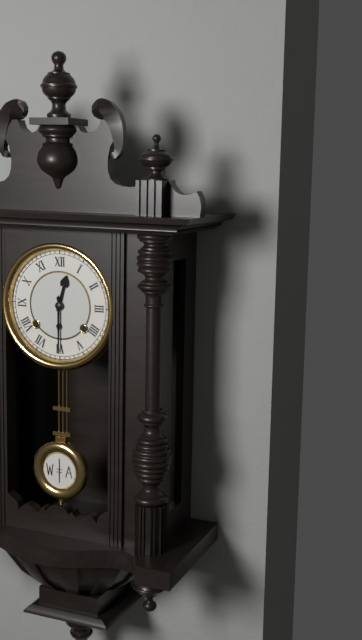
12:30
